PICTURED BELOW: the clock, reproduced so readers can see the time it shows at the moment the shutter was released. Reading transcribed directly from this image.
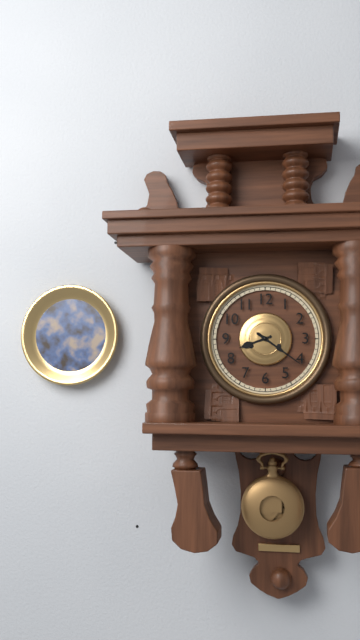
8:21
